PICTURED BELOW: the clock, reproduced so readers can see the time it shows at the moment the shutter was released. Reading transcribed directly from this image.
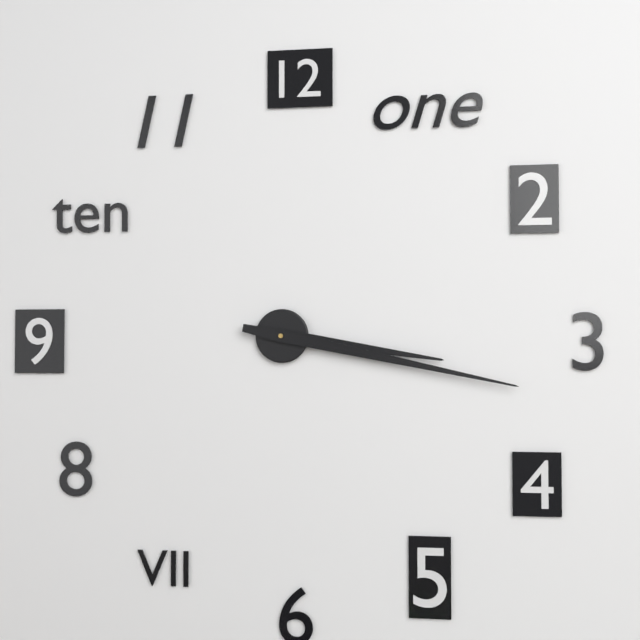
3:17
